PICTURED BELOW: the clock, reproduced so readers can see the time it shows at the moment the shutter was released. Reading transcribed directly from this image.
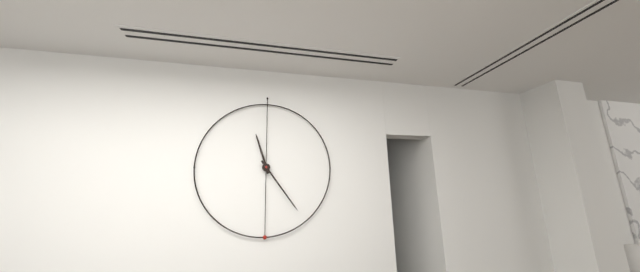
11:24
